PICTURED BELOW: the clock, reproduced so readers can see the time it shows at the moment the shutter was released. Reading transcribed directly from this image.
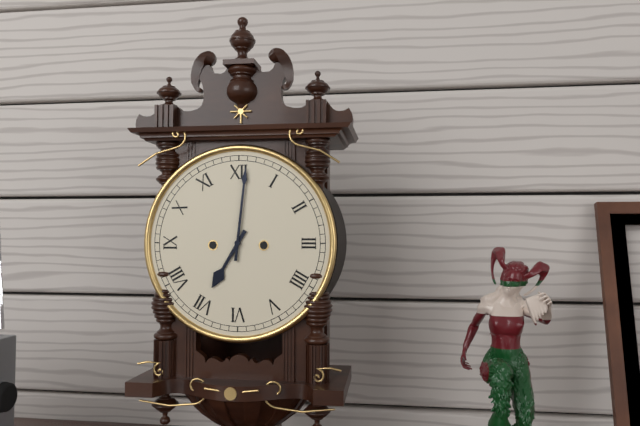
7:01
